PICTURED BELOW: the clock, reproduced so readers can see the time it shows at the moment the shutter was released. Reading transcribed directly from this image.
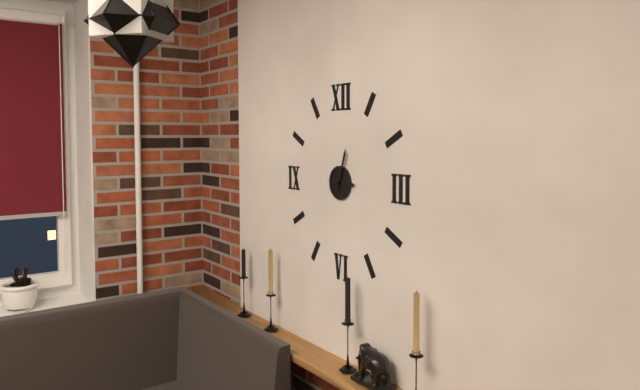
3:03
